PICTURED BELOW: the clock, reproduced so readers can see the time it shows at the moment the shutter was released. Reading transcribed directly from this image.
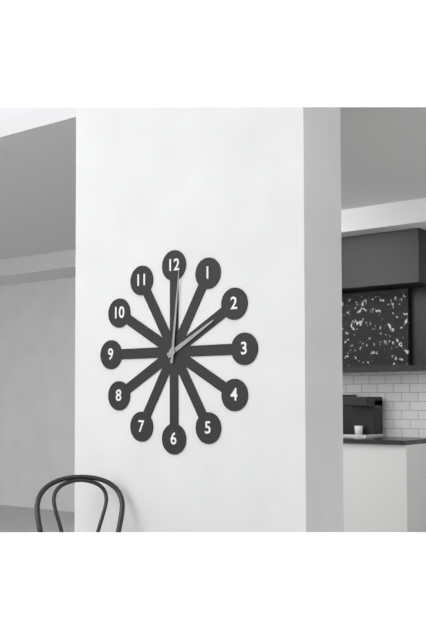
2:01
